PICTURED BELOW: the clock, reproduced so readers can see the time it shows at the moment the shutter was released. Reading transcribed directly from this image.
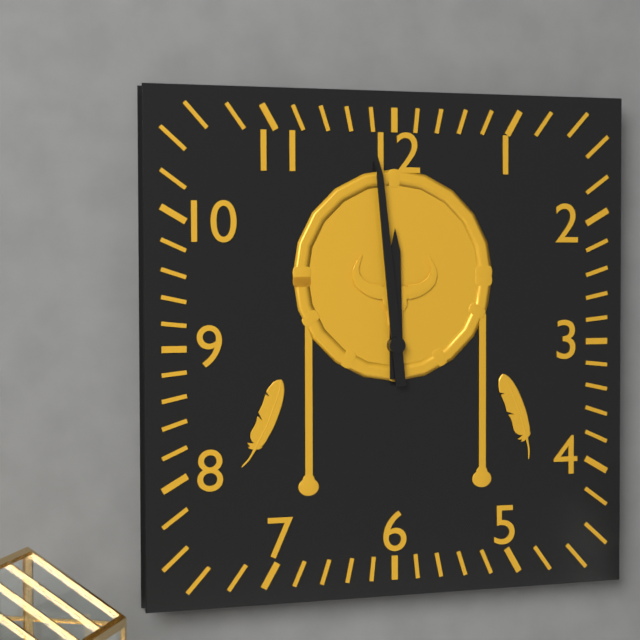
11:59
